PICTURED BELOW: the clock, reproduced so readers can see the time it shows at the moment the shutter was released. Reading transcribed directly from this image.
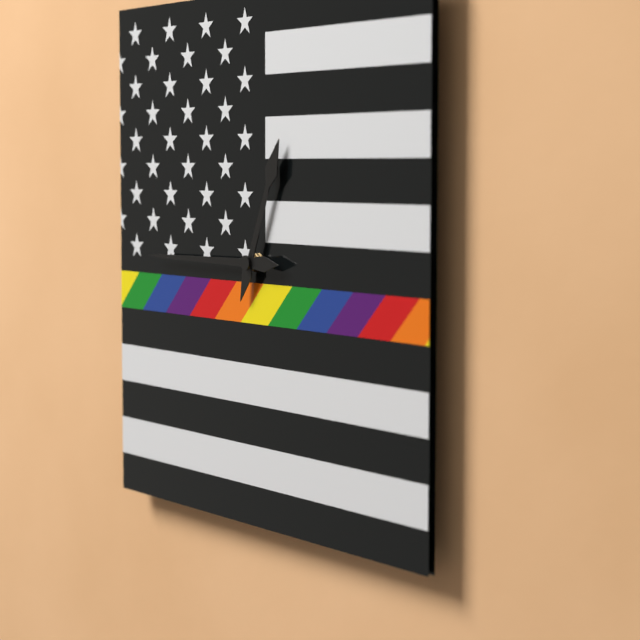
12:45
